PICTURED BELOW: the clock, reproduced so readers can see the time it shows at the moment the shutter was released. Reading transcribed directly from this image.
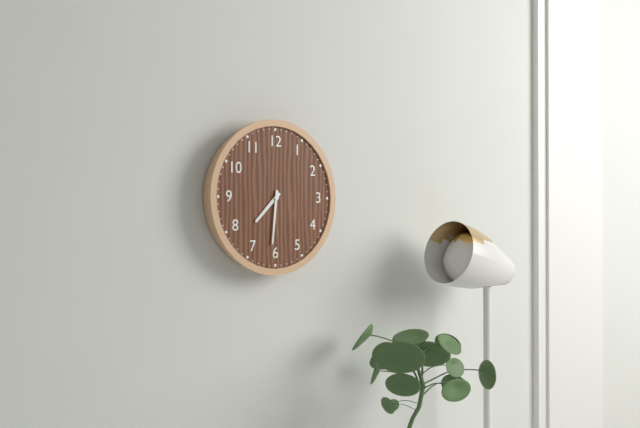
7:31
